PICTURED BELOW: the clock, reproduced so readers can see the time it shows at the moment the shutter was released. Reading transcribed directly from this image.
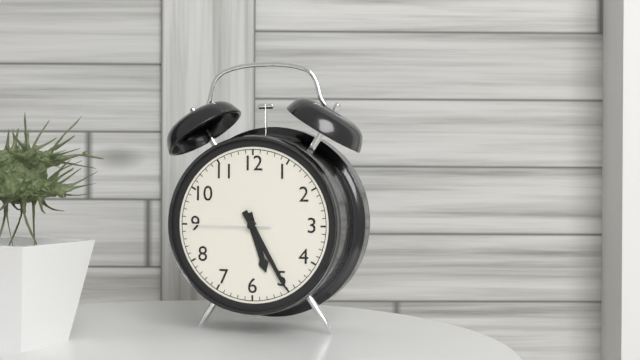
5:25:45
